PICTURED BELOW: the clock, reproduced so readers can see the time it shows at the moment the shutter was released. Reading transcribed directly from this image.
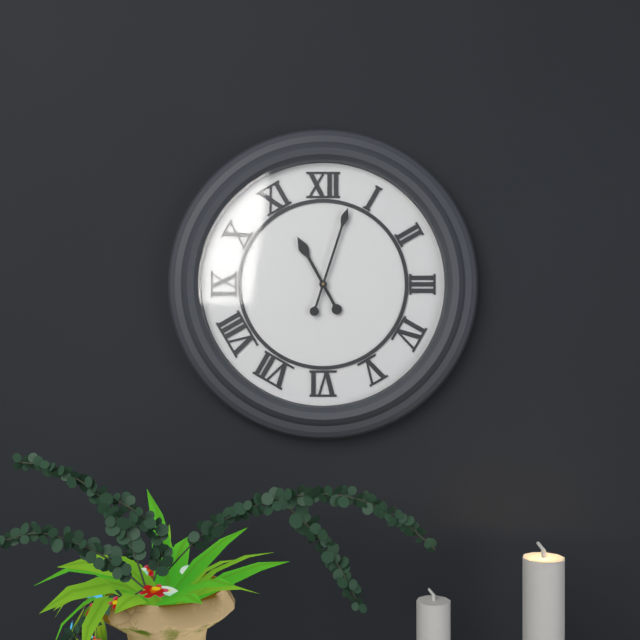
11:03
